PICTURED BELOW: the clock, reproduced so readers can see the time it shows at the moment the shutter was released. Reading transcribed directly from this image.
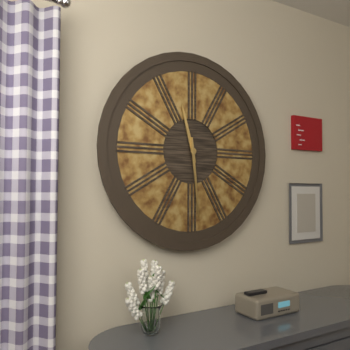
11:29
